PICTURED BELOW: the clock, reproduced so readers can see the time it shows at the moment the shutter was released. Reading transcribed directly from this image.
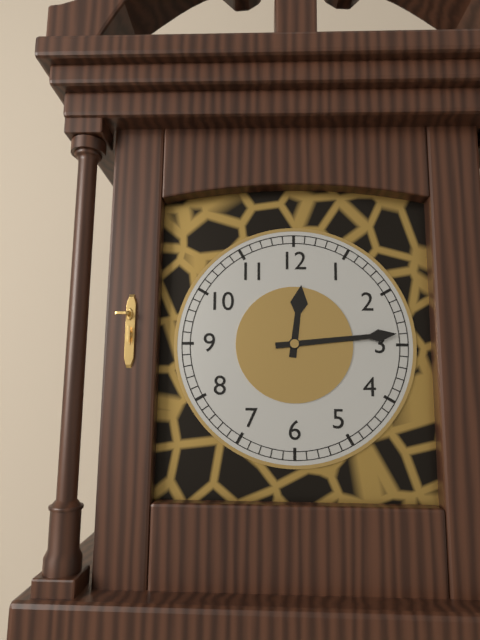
12:14
